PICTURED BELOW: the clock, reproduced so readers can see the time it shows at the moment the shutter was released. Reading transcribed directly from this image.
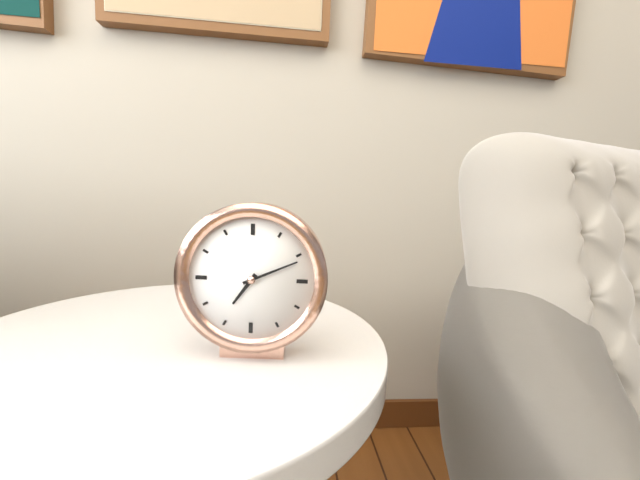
7:11
